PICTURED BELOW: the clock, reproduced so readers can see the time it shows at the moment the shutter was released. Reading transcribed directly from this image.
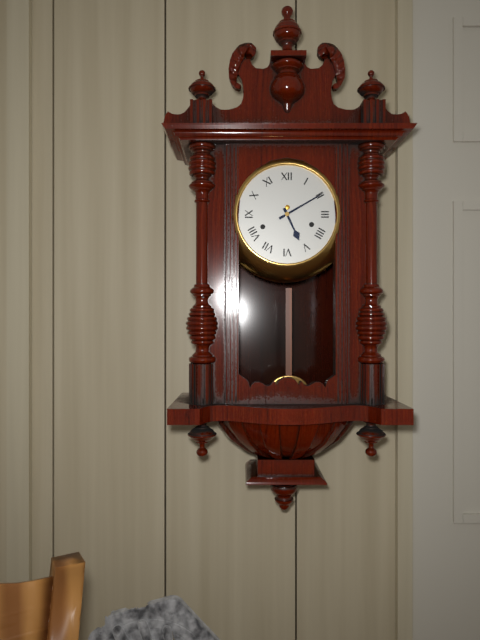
5:10
